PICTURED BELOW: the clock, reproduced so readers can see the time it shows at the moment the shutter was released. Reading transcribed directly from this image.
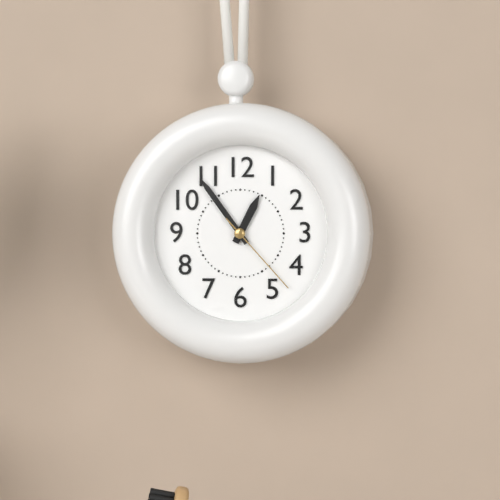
12:54:23
